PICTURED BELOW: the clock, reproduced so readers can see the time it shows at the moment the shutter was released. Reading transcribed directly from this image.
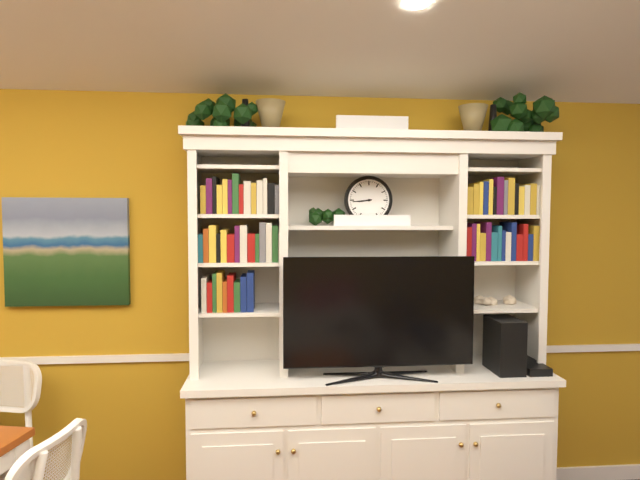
8:44
